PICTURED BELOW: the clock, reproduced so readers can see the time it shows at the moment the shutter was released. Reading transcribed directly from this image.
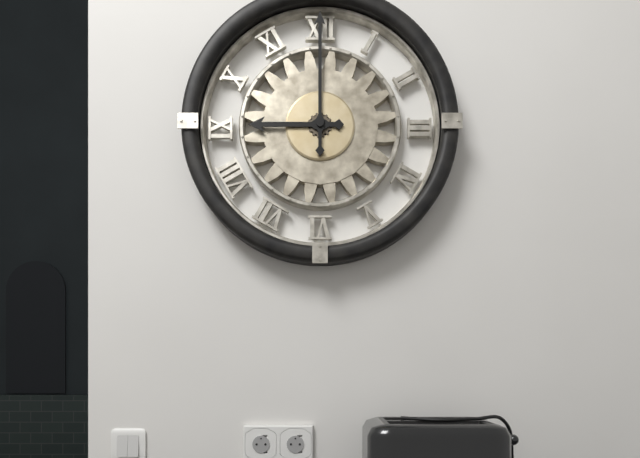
9:00
